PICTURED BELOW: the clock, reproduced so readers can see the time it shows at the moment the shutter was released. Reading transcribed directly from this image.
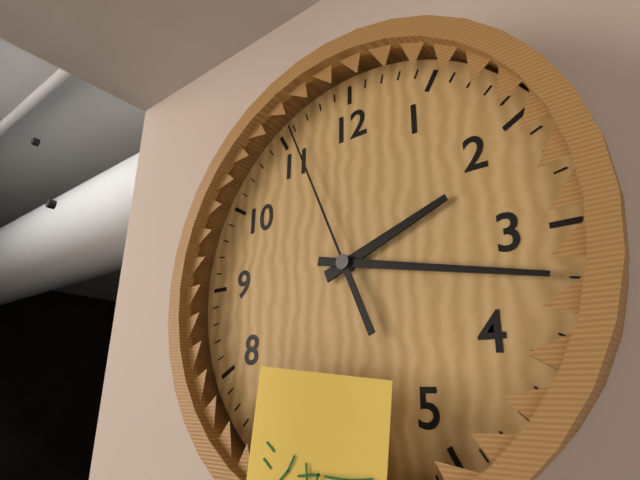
2:17:56
